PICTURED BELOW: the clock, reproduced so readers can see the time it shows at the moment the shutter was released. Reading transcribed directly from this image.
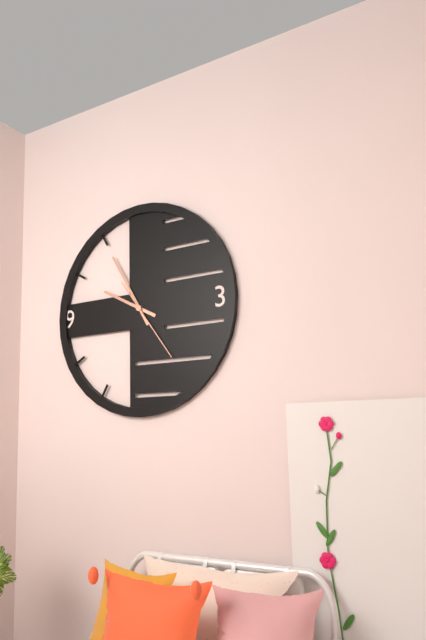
9:55:24
